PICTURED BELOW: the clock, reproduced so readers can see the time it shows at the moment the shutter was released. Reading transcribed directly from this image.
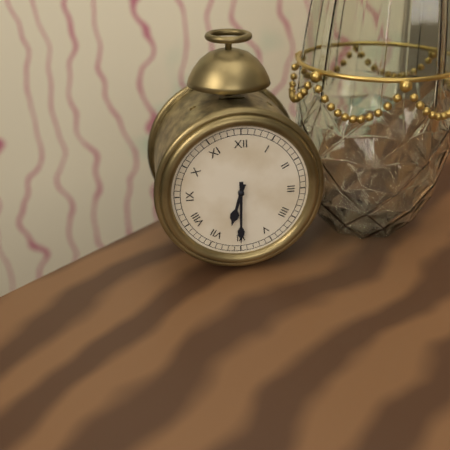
6:30
